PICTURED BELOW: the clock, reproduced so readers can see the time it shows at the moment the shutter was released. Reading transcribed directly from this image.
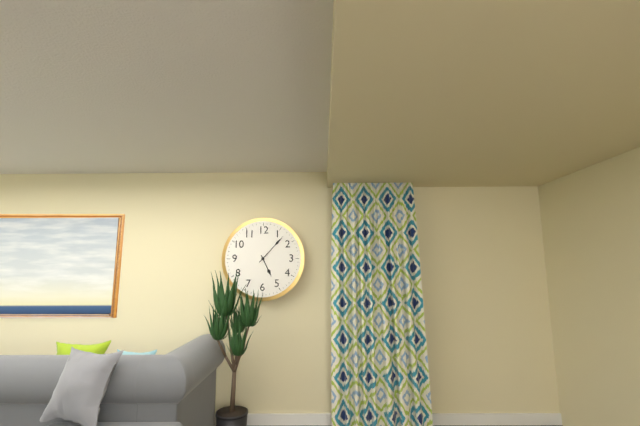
5:07
